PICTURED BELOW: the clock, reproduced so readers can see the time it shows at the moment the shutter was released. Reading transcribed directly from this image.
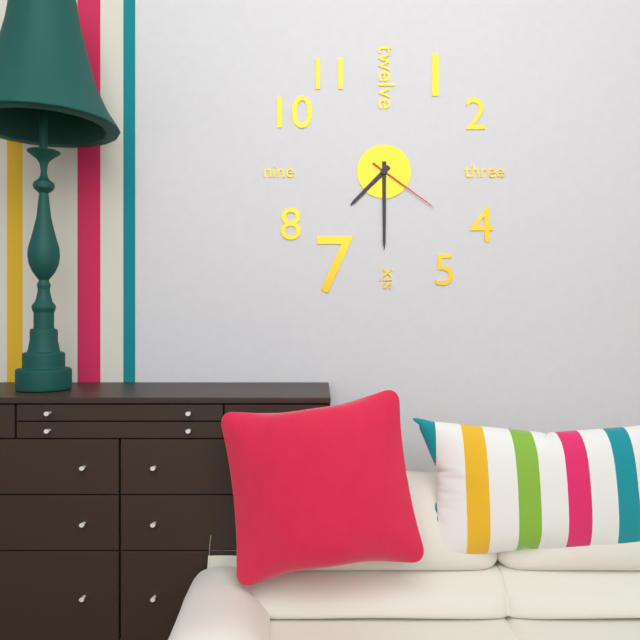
7:30:21
